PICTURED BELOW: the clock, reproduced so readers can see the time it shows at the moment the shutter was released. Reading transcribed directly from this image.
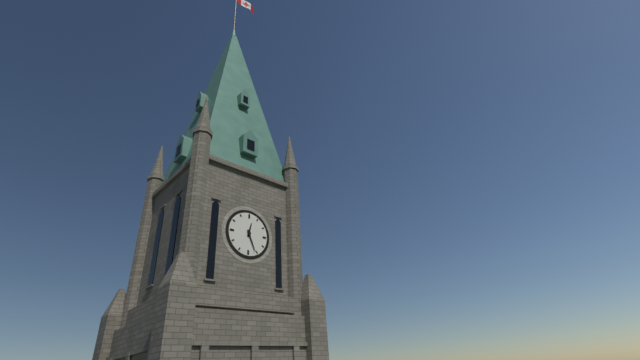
12:26
